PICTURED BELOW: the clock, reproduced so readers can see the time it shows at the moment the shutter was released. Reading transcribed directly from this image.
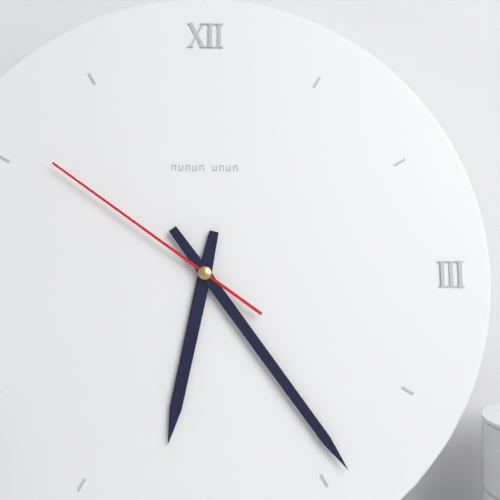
6:24:51
